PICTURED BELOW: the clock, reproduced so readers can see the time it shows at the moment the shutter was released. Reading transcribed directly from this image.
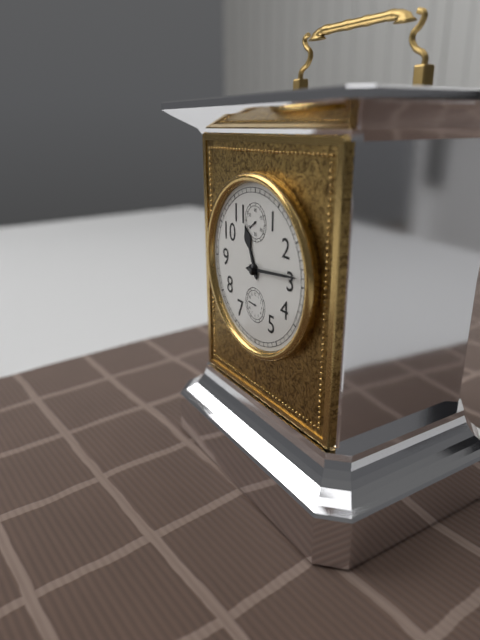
11:14
